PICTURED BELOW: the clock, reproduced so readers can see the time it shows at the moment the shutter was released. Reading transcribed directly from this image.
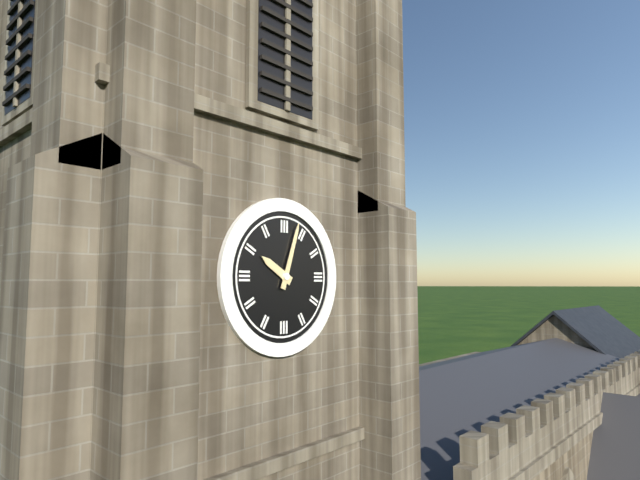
10:03
